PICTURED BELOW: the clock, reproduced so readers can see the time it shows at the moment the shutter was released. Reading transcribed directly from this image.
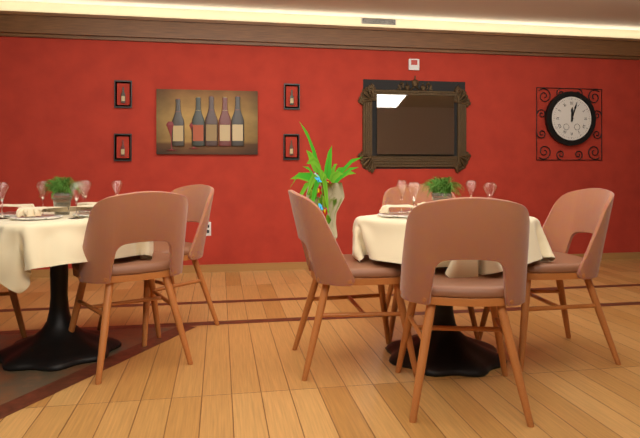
12:03
